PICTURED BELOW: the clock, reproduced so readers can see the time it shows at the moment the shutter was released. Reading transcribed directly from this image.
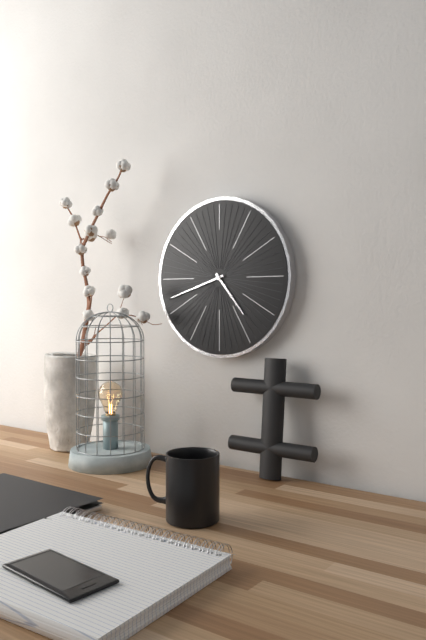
4:42
